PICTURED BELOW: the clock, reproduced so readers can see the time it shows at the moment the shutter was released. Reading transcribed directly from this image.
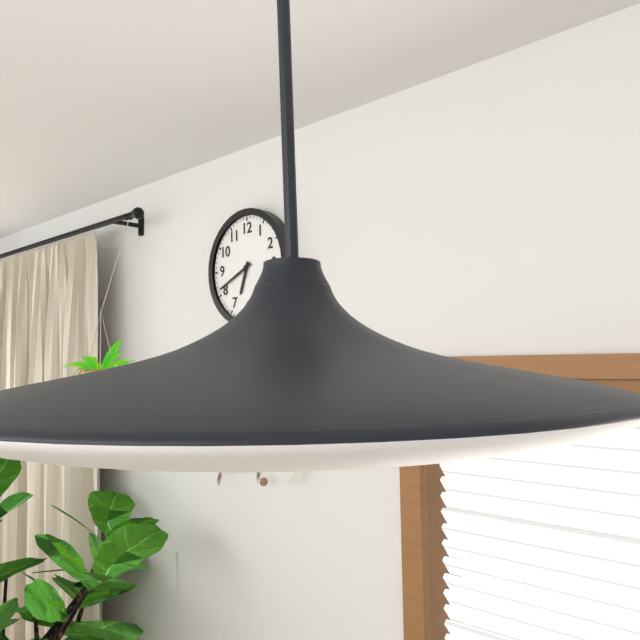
6:41
